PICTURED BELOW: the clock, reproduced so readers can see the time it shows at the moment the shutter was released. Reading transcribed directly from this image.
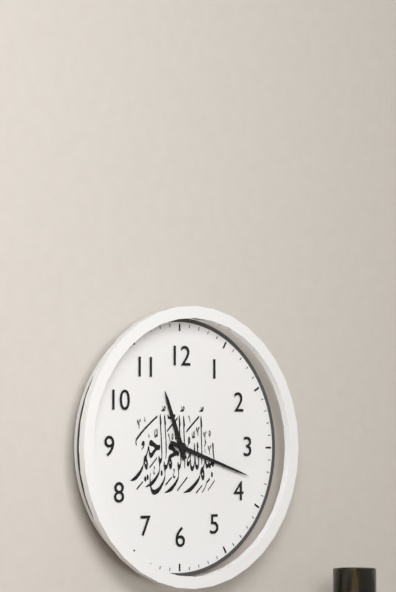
11:18
